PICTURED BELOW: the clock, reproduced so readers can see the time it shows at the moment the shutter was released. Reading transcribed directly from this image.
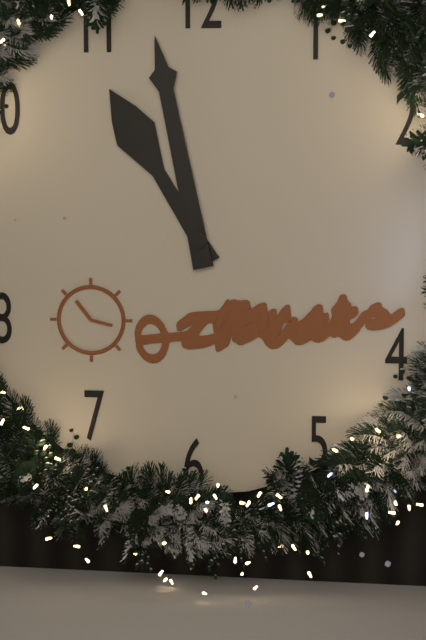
10:58
